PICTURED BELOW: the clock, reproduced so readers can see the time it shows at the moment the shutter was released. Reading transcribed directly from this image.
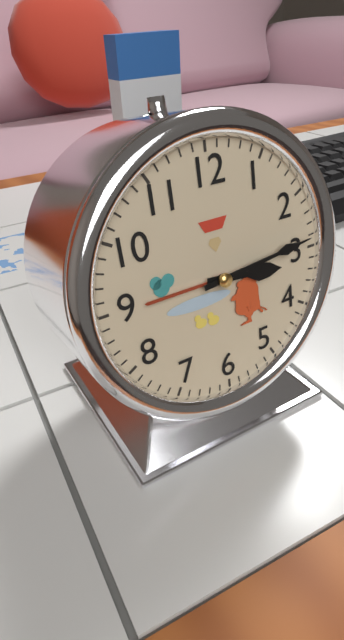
3:14
